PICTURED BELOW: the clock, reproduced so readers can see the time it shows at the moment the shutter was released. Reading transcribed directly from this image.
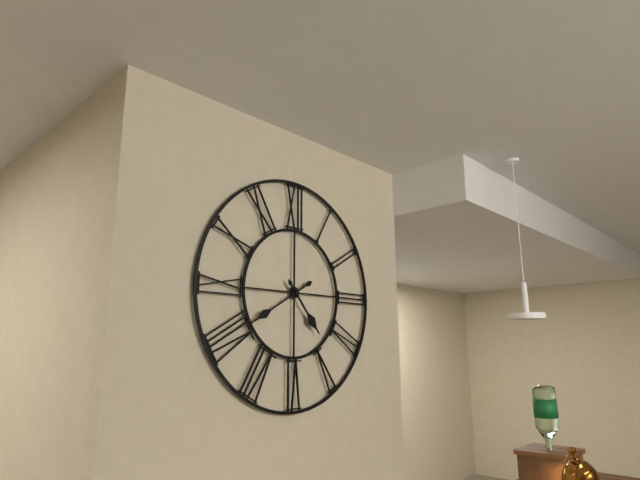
4:40
